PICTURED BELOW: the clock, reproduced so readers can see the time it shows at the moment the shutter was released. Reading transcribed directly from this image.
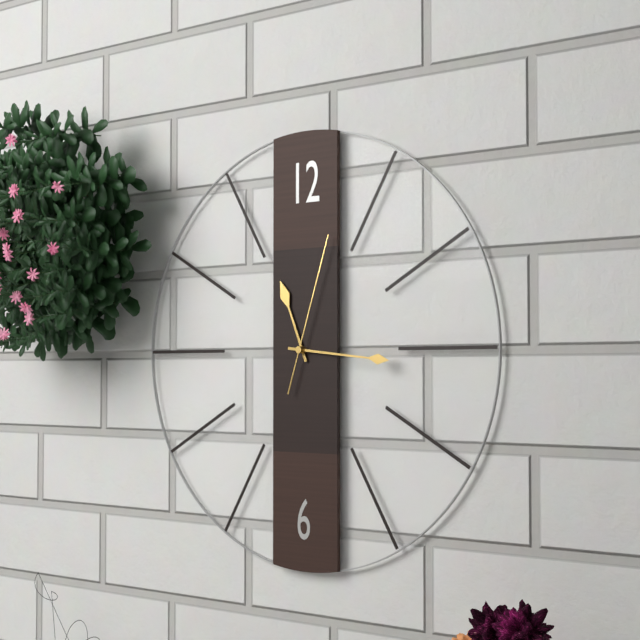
11:16:03
